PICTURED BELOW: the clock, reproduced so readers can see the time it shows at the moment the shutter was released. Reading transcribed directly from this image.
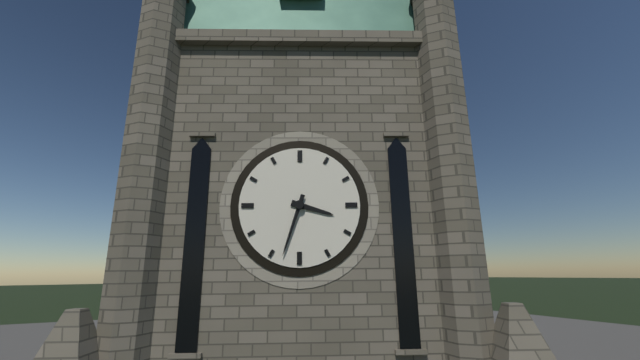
3:33
